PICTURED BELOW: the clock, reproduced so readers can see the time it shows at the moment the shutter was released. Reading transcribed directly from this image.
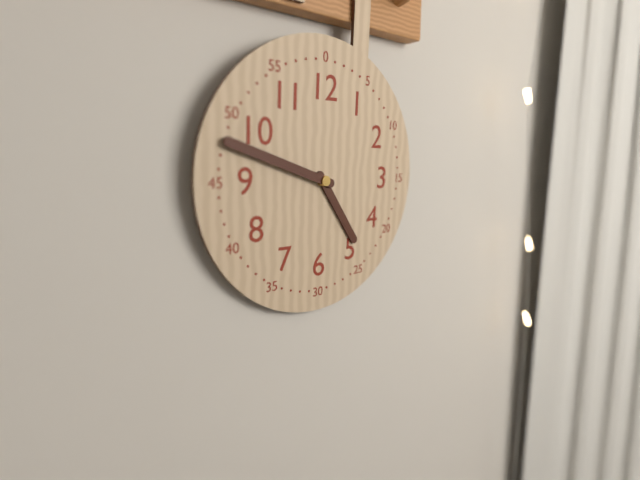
4:48
